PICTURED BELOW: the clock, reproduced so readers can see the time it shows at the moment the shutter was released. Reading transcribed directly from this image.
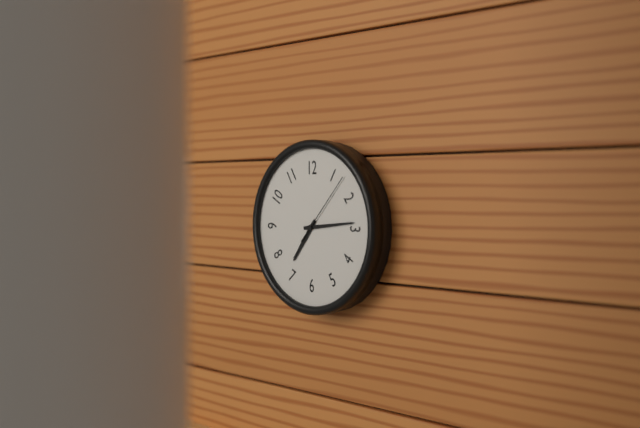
7:14:07
